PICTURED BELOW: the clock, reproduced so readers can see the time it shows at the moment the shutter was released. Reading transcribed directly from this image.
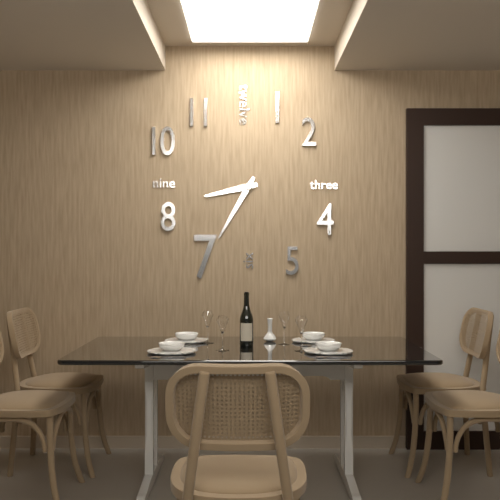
8:35
